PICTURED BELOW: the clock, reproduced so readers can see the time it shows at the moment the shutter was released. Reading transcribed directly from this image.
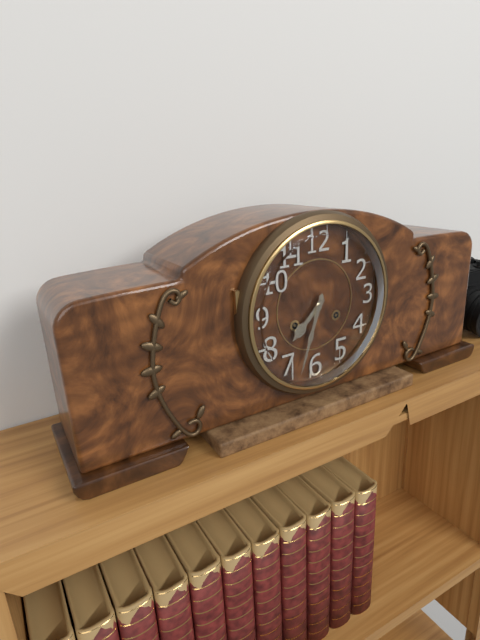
7:33
